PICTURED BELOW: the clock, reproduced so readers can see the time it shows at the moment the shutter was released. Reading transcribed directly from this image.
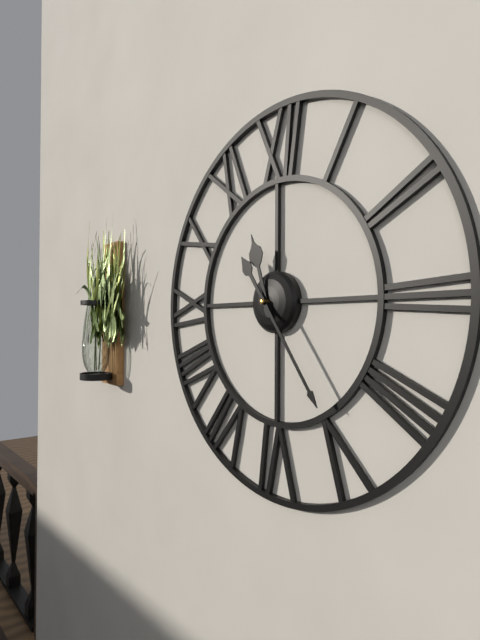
11:24
